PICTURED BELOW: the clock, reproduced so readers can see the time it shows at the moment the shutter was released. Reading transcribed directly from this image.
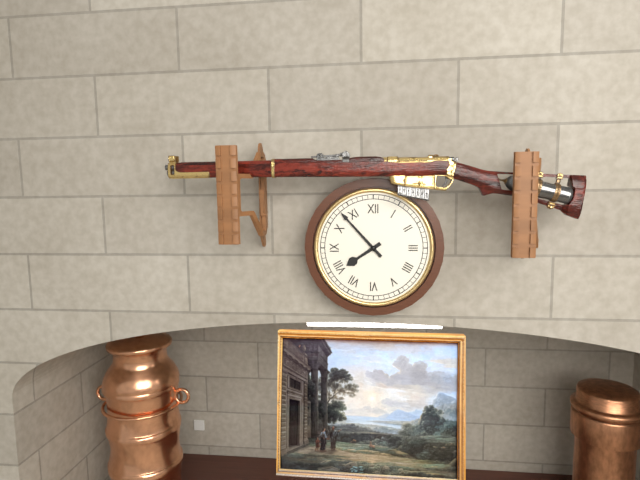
7:53
